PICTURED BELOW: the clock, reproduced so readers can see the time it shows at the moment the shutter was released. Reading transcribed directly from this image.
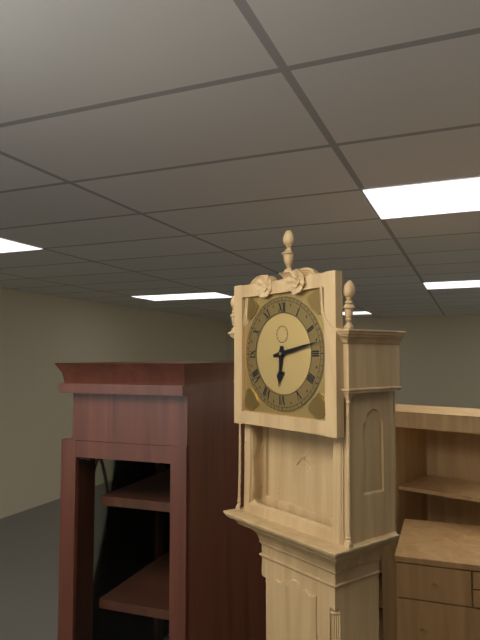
6:13
